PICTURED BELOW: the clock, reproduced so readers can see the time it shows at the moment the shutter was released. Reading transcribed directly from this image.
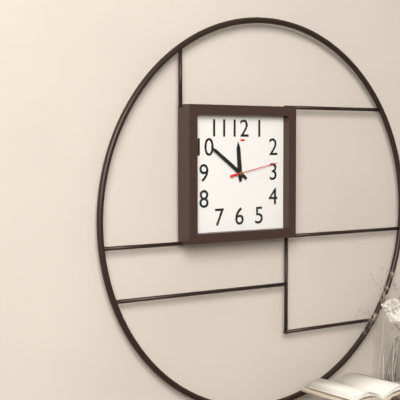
11:51
